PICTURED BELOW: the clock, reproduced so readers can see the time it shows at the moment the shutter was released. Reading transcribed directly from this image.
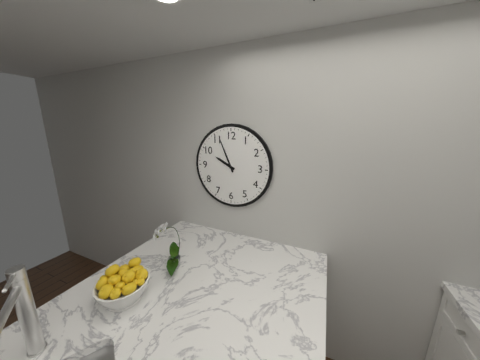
9:56
